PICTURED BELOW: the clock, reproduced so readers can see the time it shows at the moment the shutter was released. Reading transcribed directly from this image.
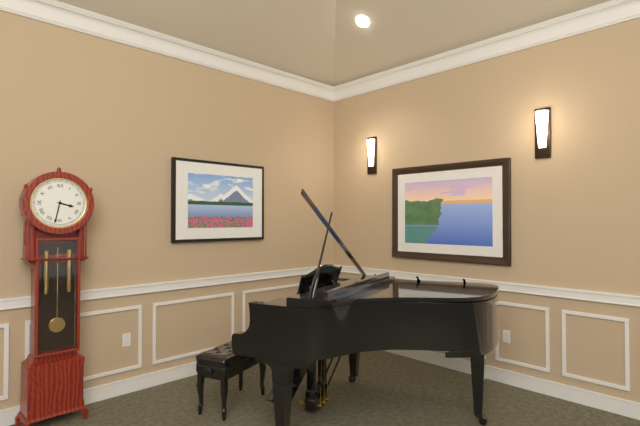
3:32
